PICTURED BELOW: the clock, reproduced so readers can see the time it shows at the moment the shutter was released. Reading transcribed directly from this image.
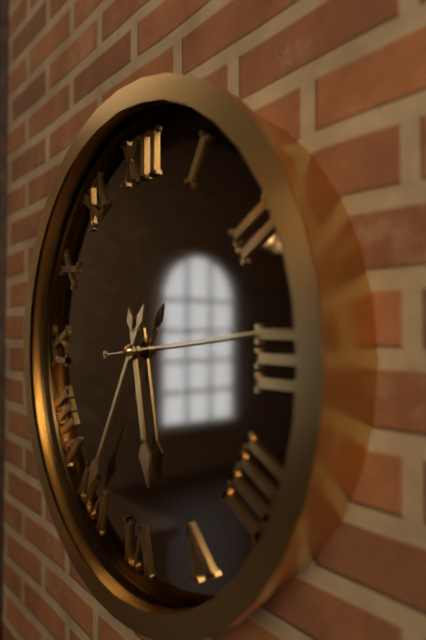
5:35:14
